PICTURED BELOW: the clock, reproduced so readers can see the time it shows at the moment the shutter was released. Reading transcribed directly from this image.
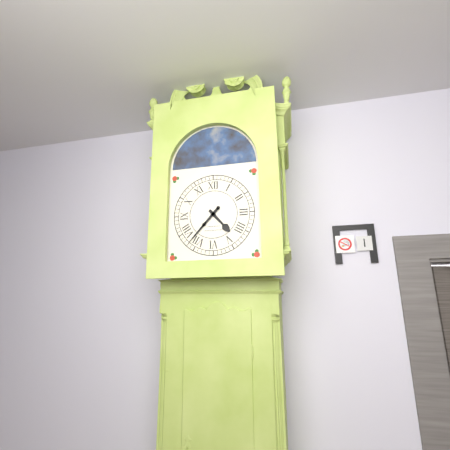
4:37
